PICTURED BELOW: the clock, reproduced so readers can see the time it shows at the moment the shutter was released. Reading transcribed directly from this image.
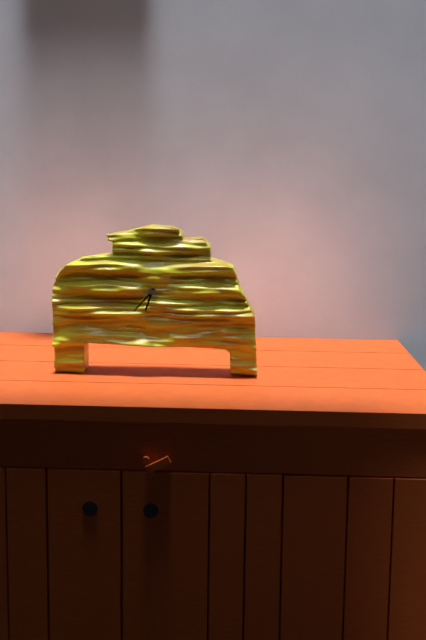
6:37
